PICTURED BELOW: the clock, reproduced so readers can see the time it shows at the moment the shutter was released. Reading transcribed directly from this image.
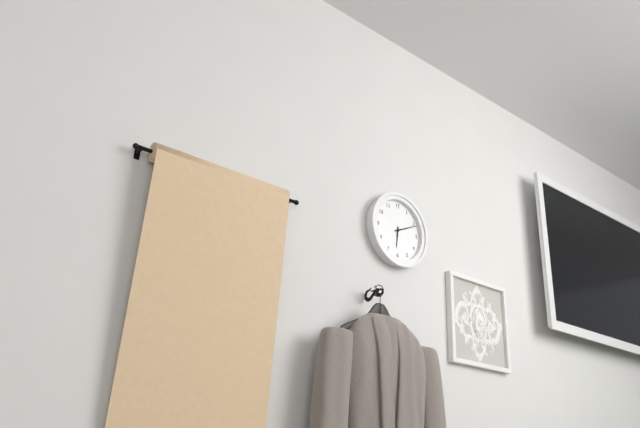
6:11
